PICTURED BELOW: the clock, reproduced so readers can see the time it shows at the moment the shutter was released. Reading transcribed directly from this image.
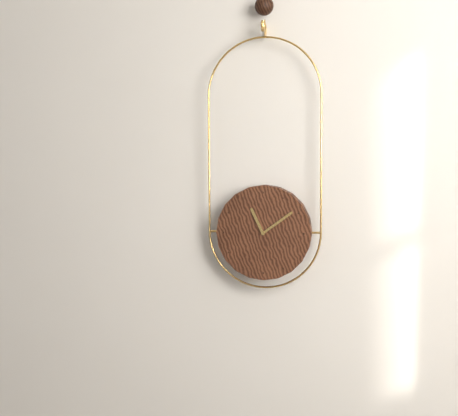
11:09
